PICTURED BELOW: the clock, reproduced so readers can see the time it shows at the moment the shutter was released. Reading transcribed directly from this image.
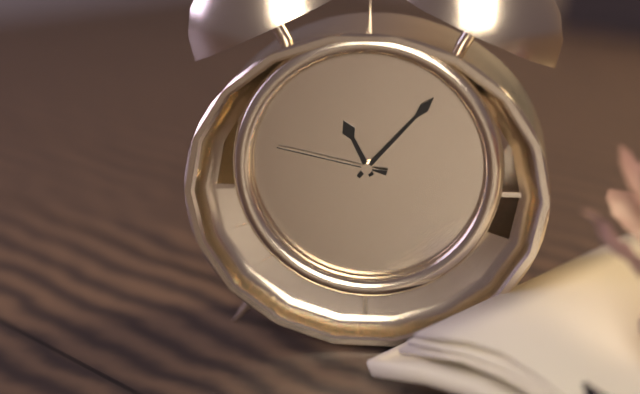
11:07:47
